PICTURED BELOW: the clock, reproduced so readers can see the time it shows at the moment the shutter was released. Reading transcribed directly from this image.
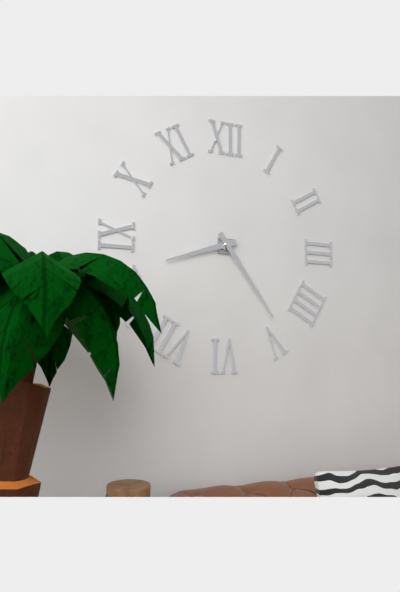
8:24
